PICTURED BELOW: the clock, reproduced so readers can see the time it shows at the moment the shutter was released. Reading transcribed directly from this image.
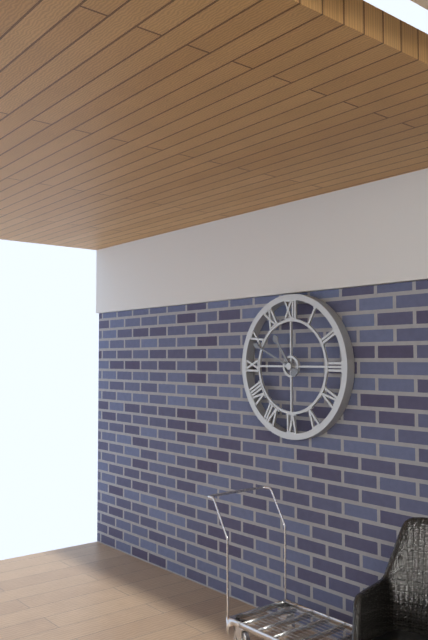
10:49
